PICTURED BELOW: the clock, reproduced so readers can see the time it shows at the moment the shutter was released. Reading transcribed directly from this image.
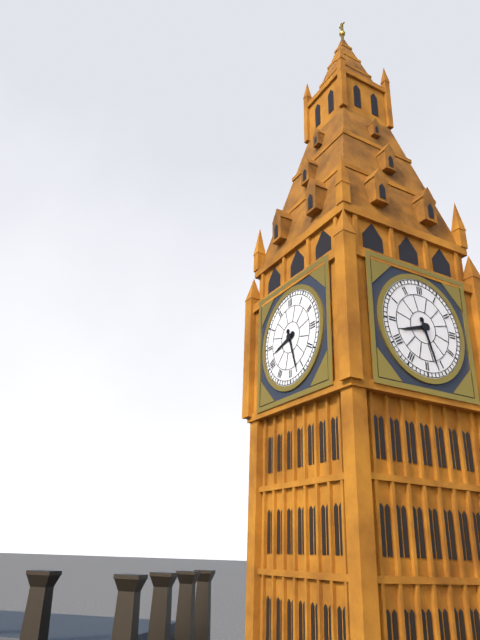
8:27
